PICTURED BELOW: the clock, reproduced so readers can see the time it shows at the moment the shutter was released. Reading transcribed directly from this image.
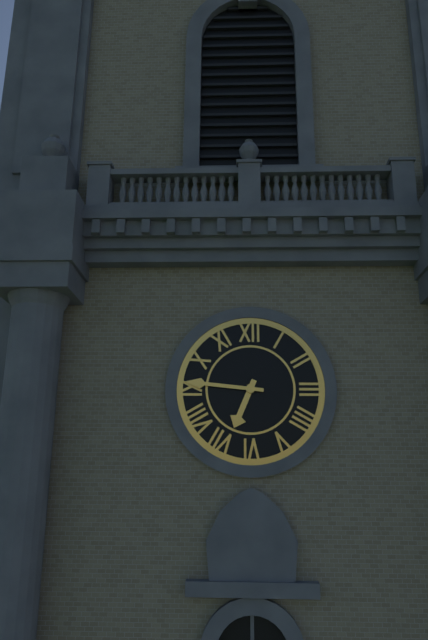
6:46
